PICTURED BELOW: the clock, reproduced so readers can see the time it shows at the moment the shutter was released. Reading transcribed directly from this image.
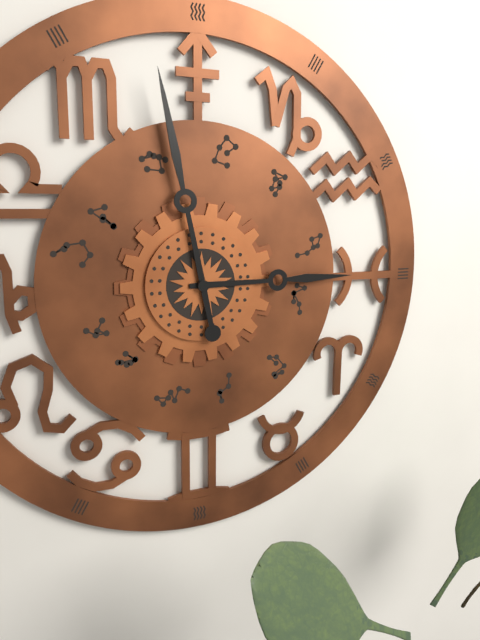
2:58
